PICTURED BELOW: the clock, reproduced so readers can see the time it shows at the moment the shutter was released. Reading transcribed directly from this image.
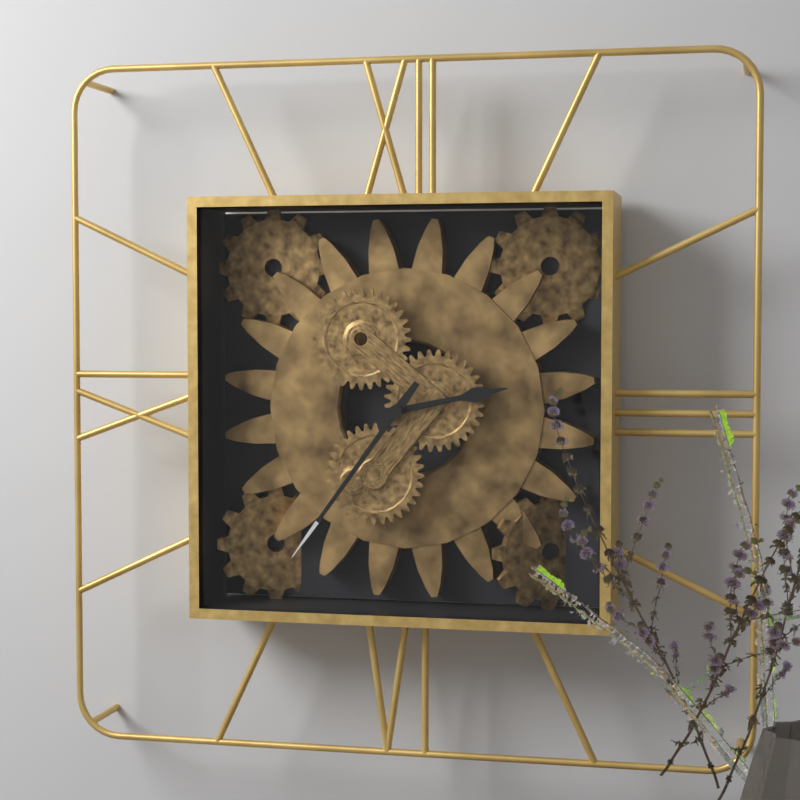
2:36
